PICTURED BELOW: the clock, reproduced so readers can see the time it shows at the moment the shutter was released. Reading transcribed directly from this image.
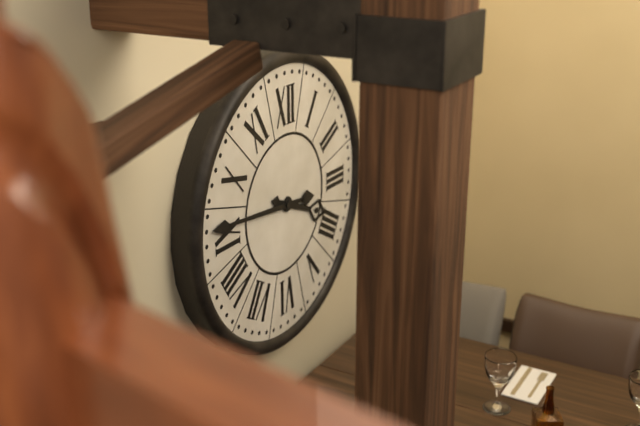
3:46
